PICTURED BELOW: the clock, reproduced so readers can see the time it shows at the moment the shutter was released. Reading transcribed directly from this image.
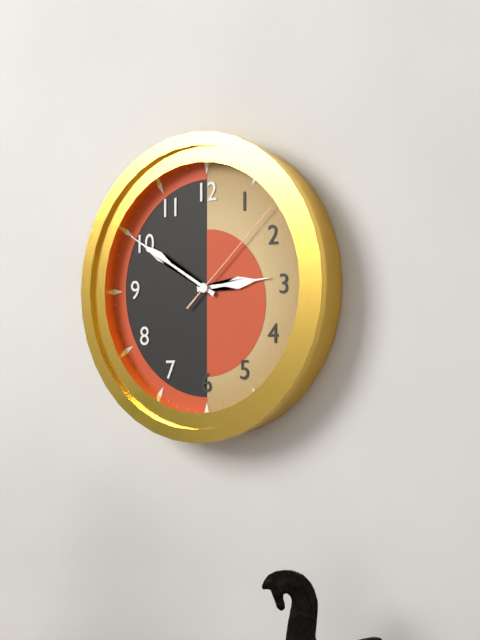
2:50:08
